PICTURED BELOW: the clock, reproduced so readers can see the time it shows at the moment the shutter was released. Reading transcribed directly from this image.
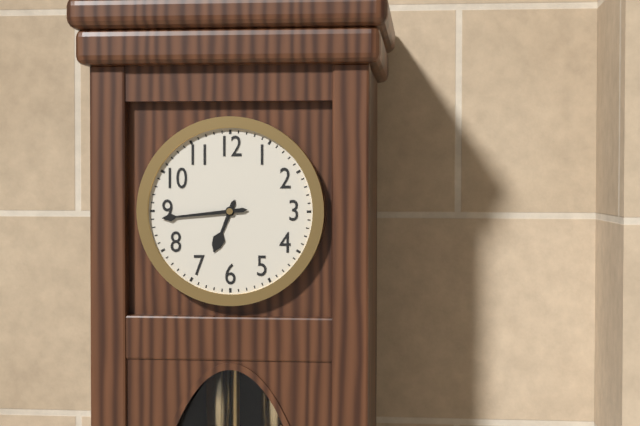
6:44
